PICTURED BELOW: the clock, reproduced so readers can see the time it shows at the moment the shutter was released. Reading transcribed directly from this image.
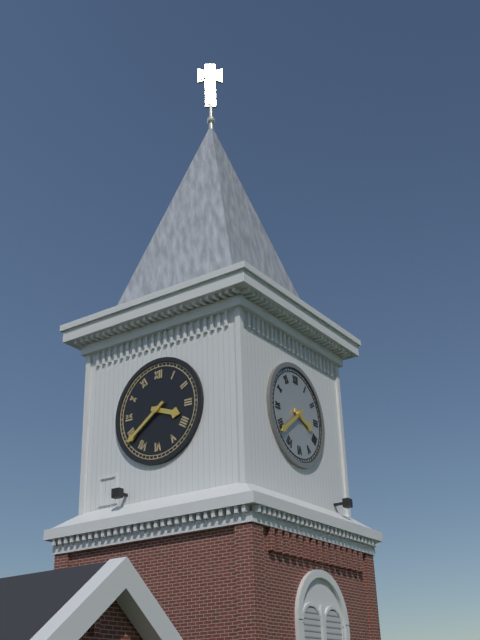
3:39
